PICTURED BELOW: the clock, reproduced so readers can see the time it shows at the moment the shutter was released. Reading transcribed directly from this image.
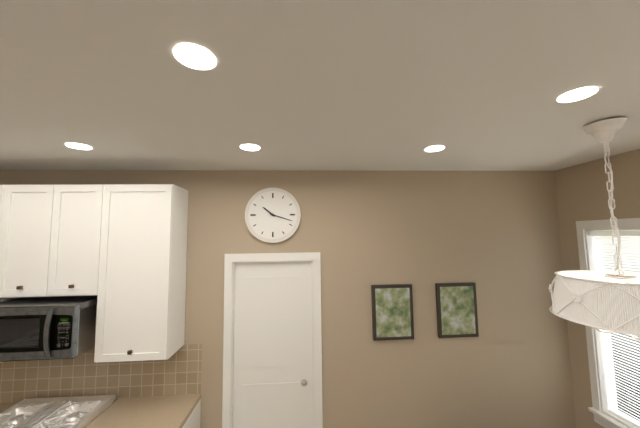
10:18
